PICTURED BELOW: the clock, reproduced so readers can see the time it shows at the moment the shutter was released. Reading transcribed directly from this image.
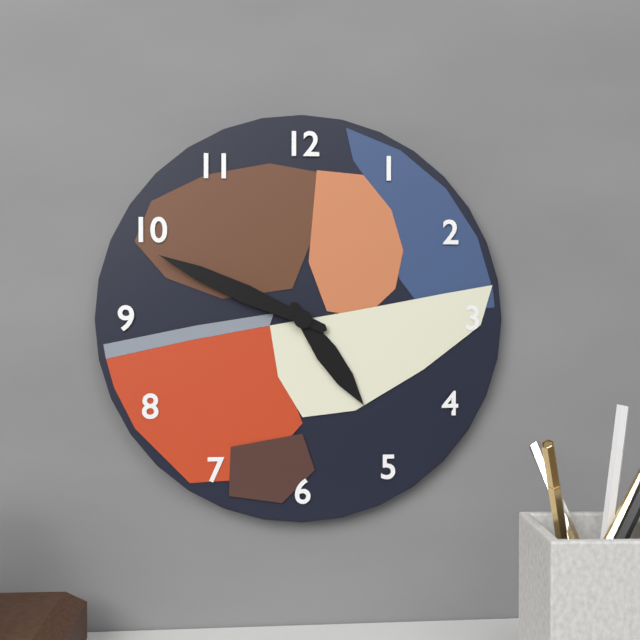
4:49
